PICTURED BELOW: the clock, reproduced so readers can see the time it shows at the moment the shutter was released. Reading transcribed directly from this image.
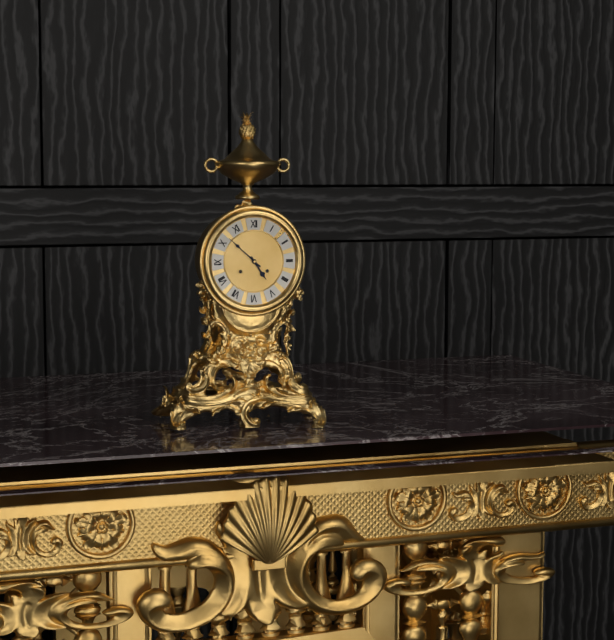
4:52
